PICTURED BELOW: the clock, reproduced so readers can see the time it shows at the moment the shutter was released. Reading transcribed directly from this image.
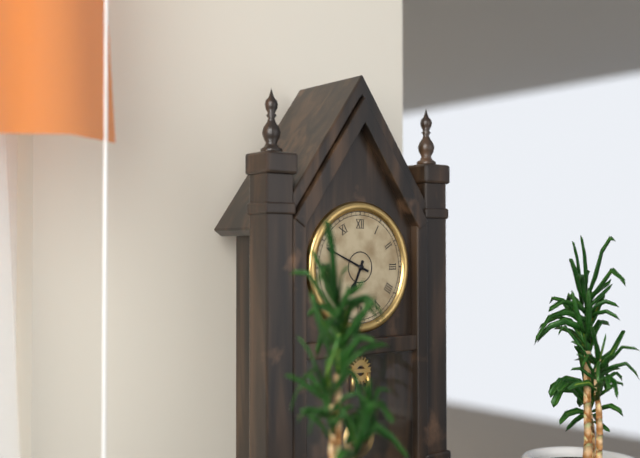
6:49
